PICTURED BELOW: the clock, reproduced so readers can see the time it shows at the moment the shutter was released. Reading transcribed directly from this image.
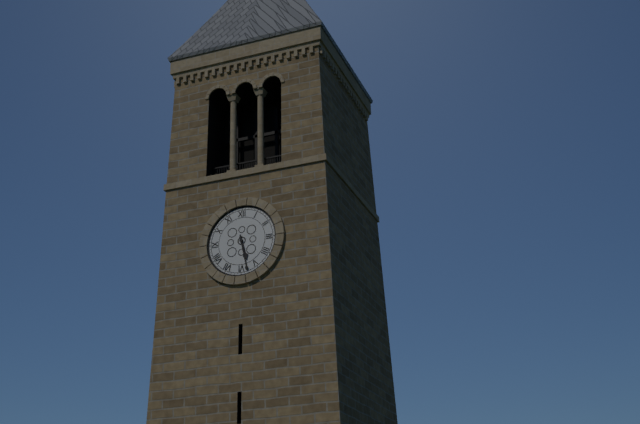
5:28
